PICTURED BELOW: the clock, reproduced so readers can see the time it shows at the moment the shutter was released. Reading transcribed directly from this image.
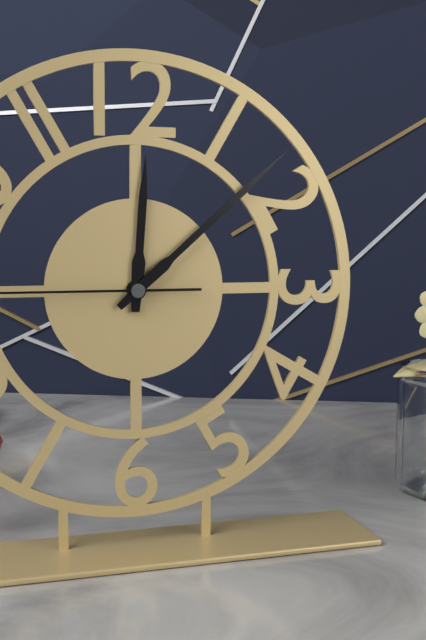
12:08
